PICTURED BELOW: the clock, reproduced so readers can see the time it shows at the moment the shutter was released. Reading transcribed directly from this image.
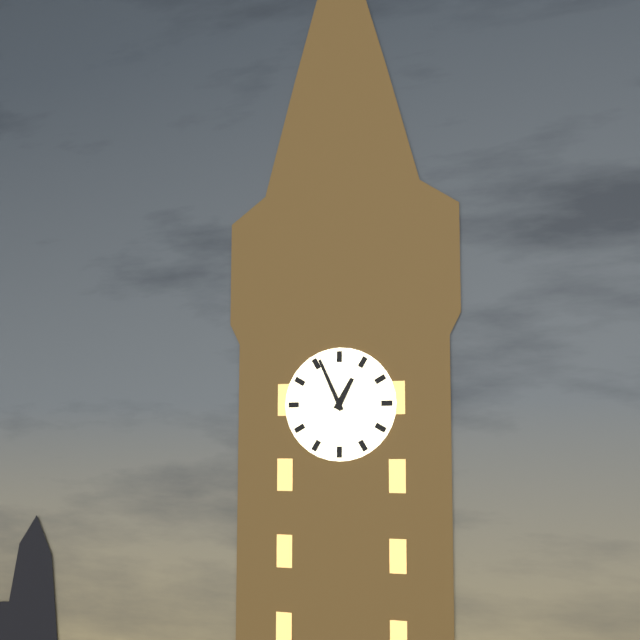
12:56
